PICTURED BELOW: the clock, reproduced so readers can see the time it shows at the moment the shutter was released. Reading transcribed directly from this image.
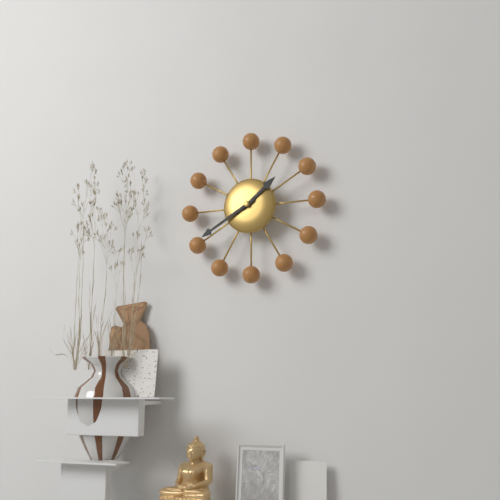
1:40
